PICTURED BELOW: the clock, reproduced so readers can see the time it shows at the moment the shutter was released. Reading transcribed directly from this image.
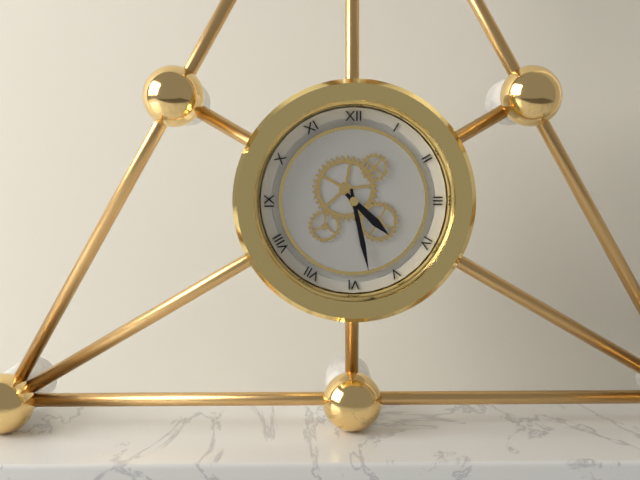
4:28
